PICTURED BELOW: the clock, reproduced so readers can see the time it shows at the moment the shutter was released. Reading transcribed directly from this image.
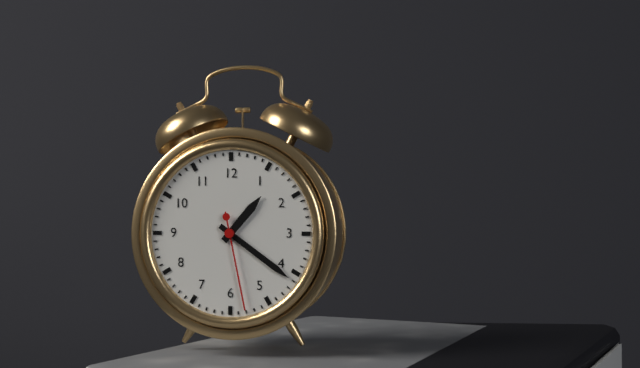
1:21:28
